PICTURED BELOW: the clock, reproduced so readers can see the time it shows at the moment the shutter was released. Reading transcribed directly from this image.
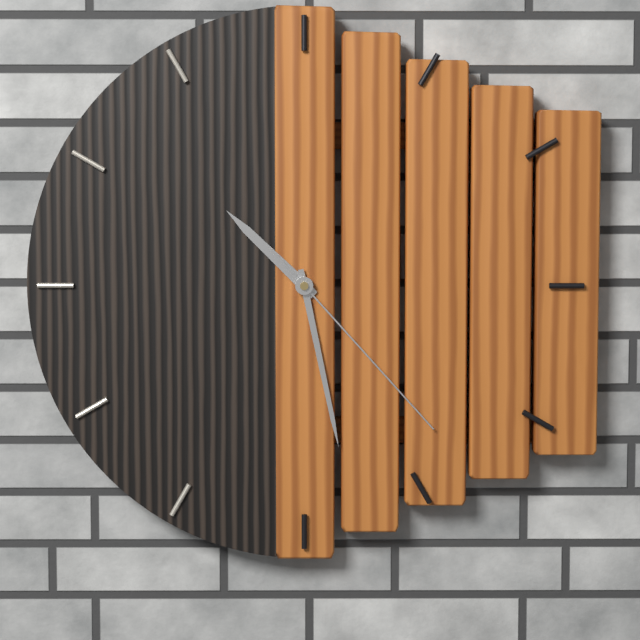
10:28:23
